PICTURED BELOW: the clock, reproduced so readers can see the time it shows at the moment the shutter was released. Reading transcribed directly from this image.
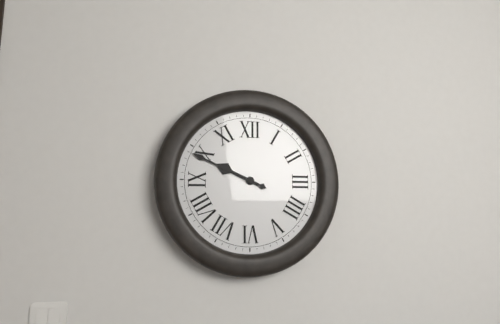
9:49
